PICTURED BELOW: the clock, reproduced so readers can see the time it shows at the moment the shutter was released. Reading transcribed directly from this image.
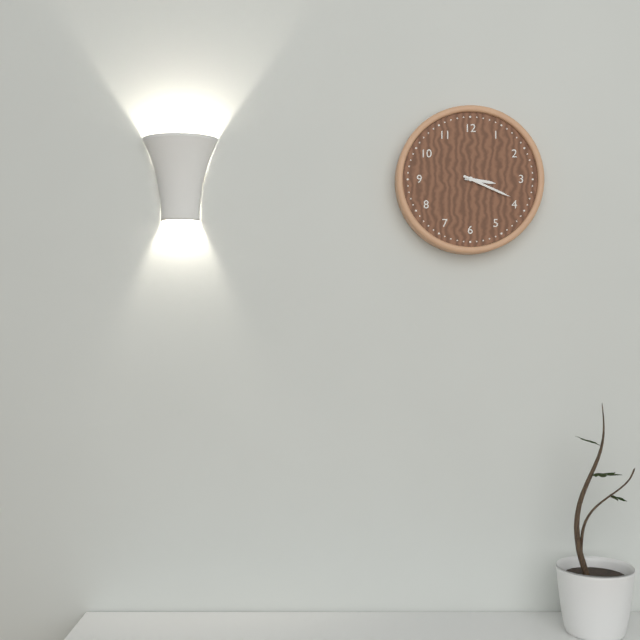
3:19
